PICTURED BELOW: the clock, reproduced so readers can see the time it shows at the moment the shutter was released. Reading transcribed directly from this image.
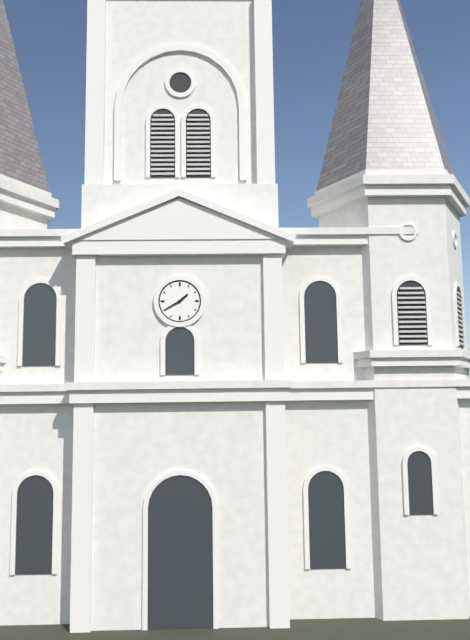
1:40
